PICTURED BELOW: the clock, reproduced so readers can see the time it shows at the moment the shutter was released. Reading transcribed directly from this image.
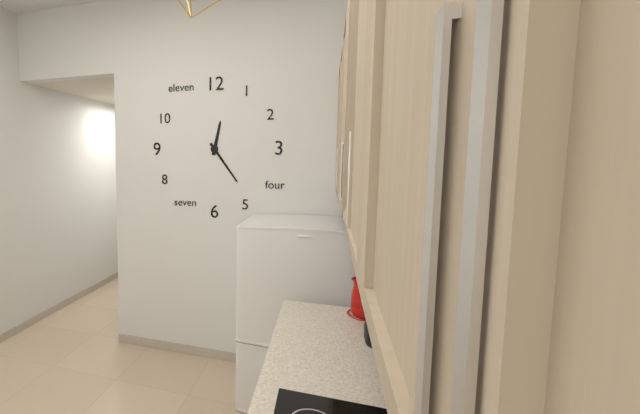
12:24
